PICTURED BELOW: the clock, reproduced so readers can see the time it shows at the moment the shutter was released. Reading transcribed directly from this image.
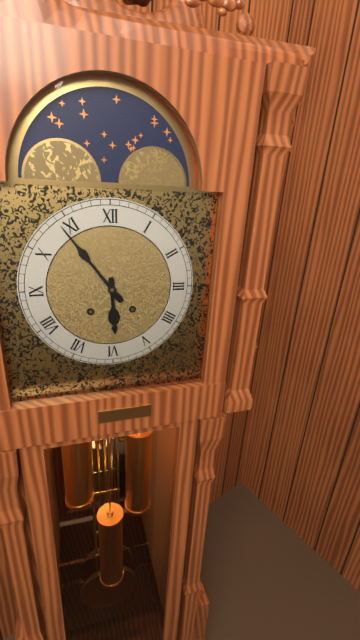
5:54
